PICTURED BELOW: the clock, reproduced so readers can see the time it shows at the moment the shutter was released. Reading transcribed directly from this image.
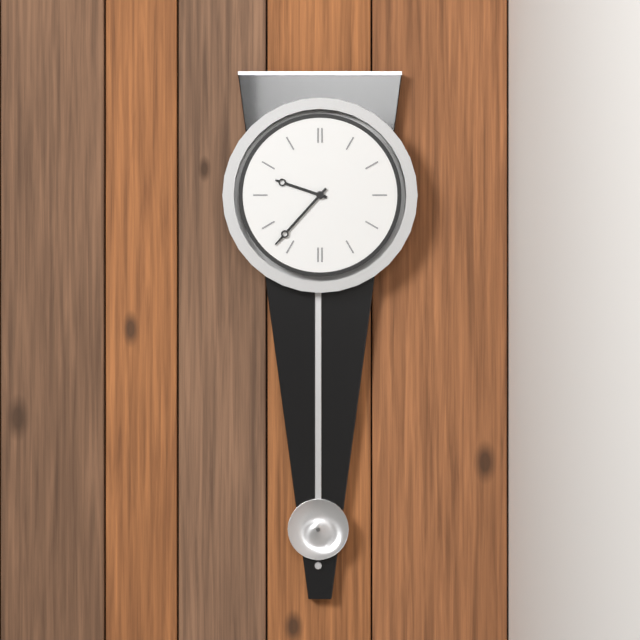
9:37
